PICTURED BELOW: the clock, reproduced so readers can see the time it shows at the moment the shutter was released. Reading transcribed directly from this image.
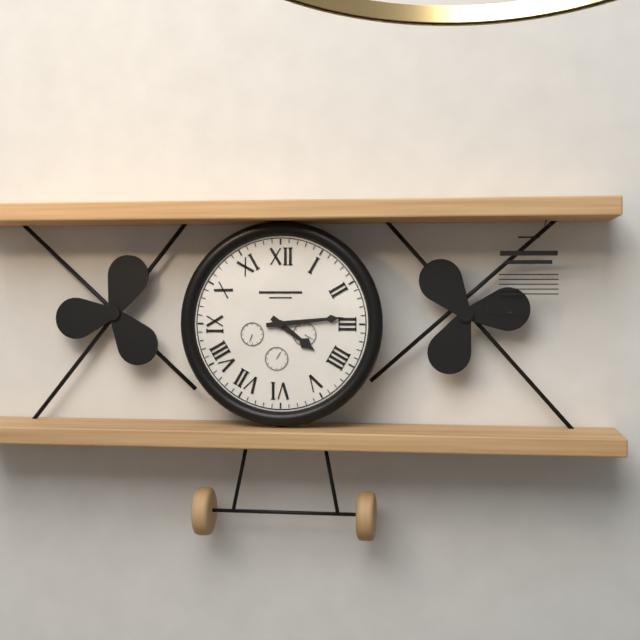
4:14
